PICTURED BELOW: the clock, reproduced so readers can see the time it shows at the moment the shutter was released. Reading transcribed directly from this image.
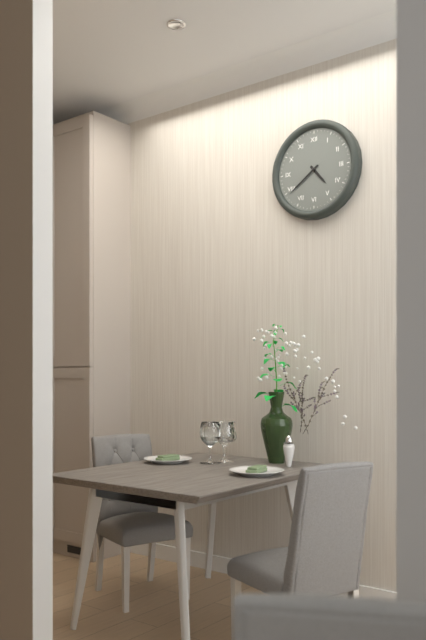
4:39
